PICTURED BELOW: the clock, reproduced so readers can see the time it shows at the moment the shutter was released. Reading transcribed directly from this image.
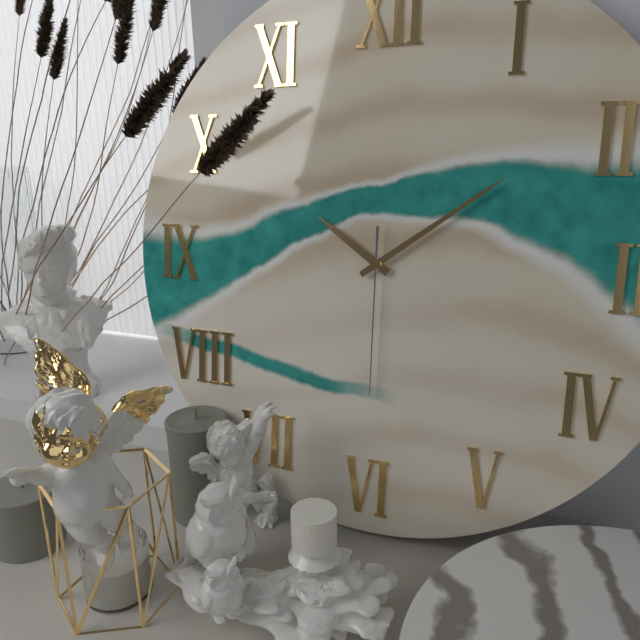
10:09:30
